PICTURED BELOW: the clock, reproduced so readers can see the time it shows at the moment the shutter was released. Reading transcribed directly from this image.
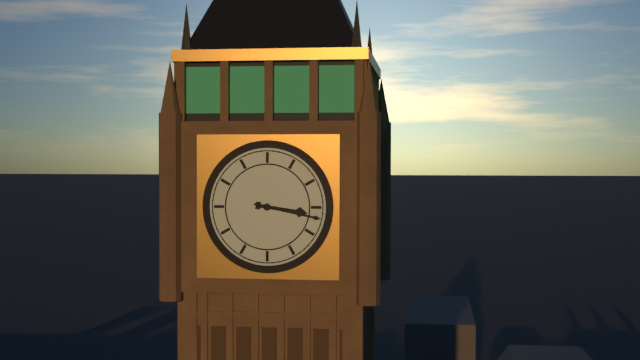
3:17
